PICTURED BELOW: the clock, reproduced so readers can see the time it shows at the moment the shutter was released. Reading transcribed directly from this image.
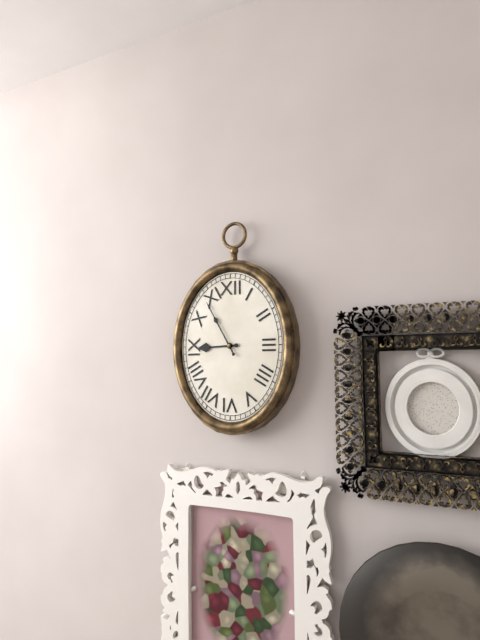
8:55
